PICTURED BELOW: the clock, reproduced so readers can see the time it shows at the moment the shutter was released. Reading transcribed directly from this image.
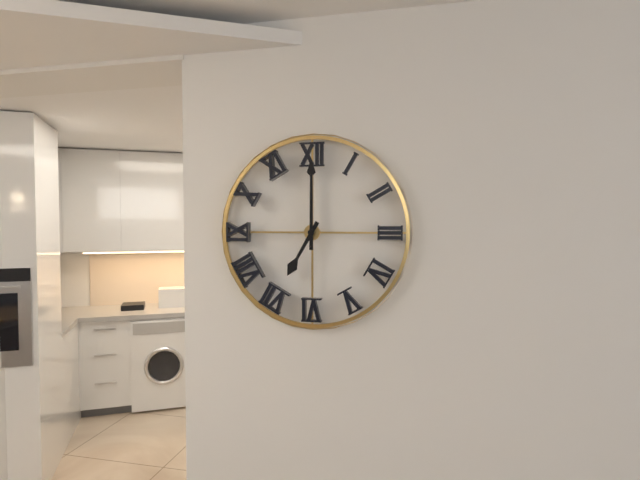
7:00
